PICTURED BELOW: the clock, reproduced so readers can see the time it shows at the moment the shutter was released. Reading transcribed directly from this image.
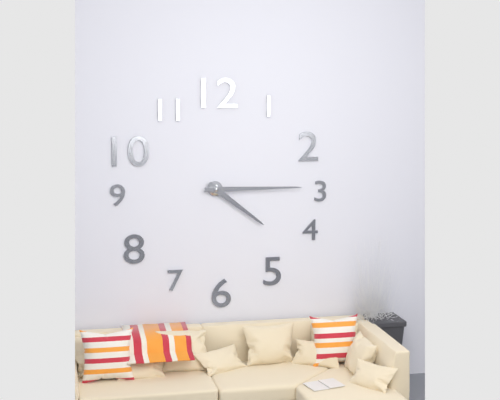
4:15
